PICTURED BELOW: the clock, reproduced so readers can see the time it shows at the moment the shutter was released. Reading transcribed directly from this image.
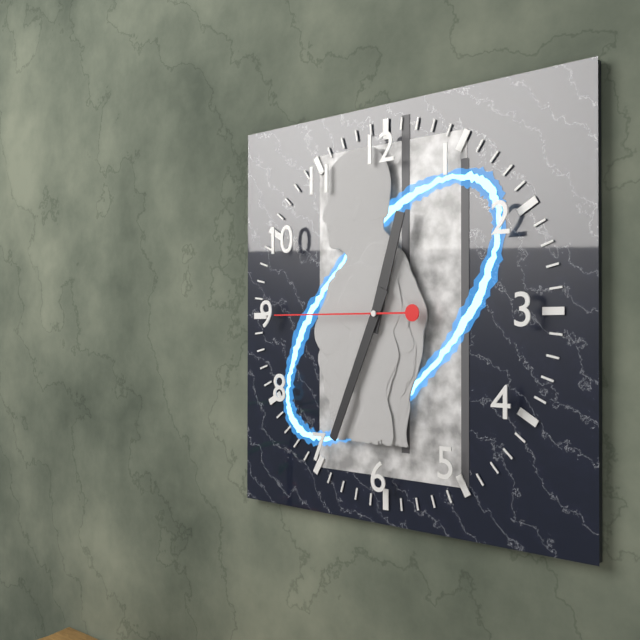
12:34:45
